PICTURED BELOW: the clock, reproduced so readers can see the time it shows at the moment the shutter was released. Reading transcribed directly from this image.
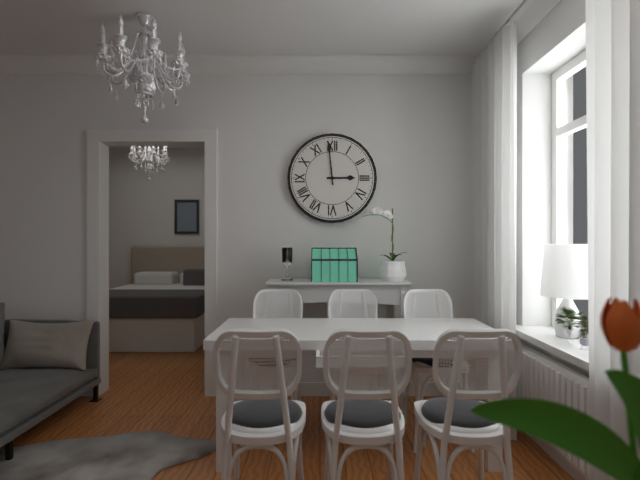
2:59
